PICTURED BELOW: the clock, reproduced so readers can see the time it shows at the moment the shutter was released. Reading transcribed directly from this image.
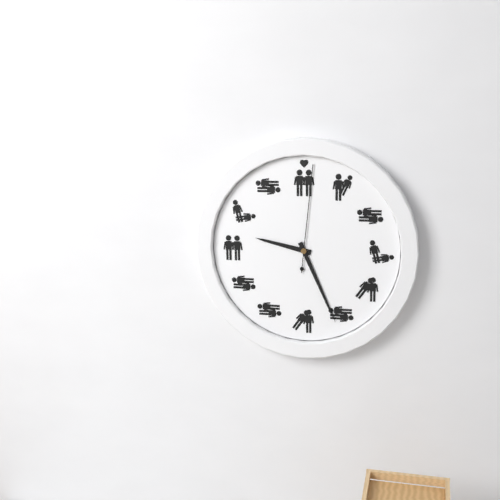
9:26:01
